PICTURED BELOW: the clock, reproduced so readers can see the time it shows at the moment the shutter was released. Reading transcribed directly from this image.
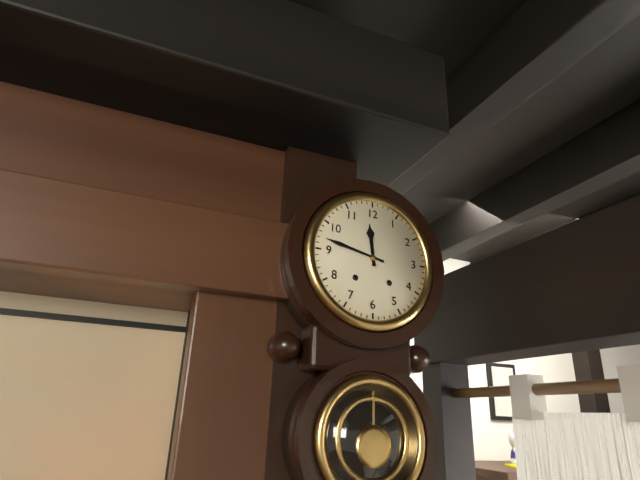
11:47
